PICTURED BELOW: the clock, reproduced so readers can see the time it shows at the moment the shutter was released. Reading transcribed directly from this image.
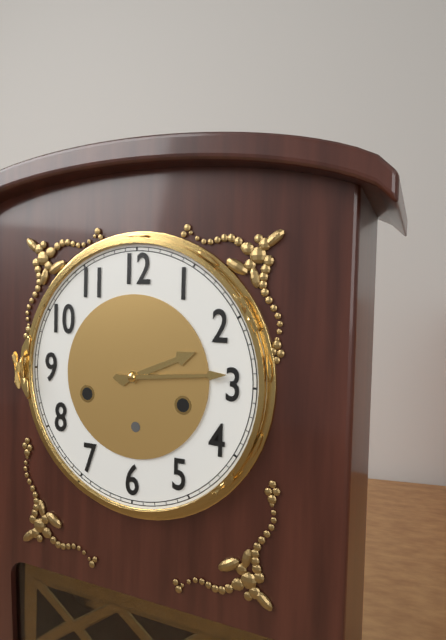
2:14
